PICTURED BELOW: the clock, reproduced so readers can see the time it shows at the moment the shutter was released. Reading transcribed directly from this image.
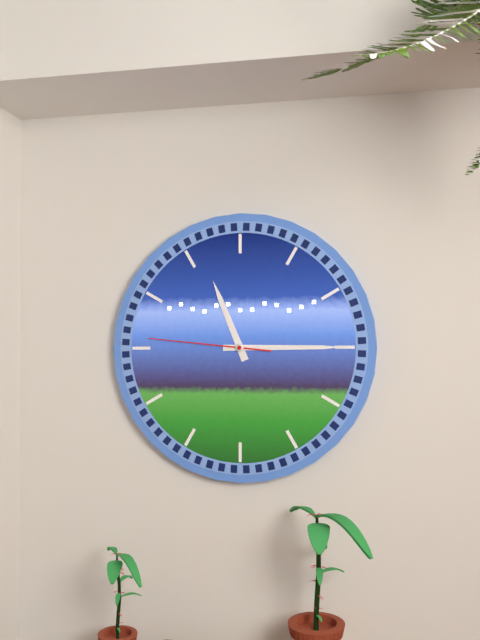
11:15:46
